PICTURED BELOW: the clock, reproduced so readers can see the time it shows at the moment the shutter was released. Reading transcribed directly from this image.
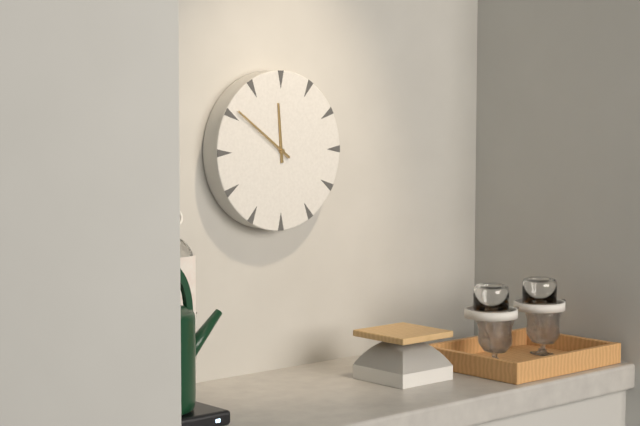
11:51
